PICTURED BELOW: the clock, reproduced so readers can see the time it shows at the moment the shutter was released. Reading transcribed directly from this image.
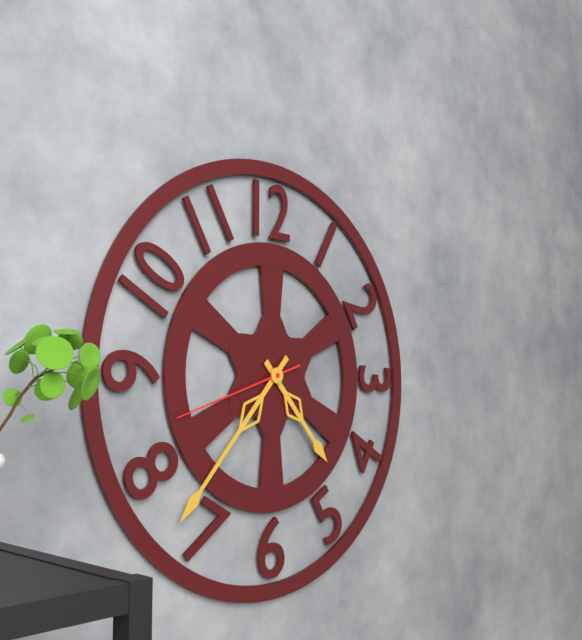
4:37:42
